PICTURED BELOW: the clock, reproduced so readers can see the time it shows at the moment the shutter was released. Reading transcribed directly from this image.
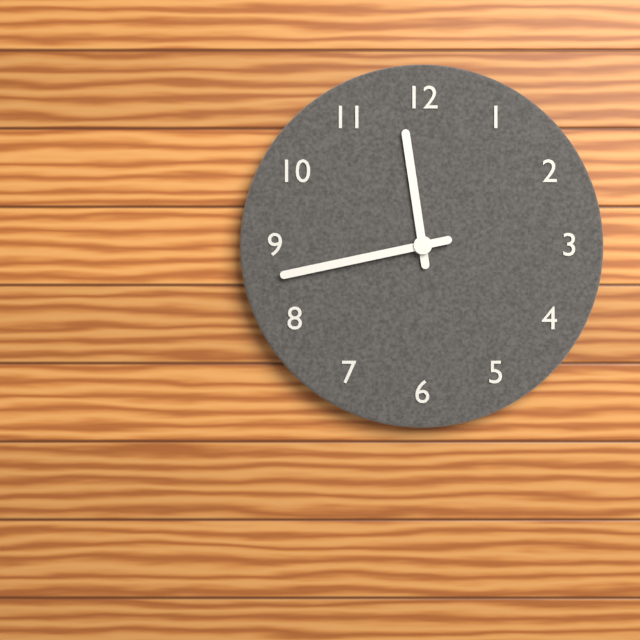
11:43
